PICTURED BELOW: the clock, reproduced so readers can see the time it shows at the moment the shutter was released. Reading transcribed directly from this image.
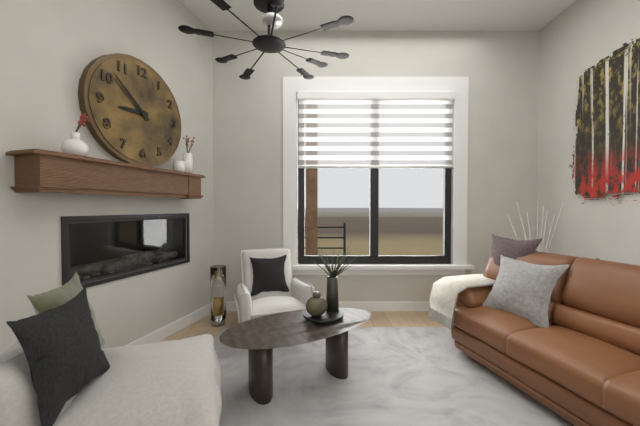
8:52
